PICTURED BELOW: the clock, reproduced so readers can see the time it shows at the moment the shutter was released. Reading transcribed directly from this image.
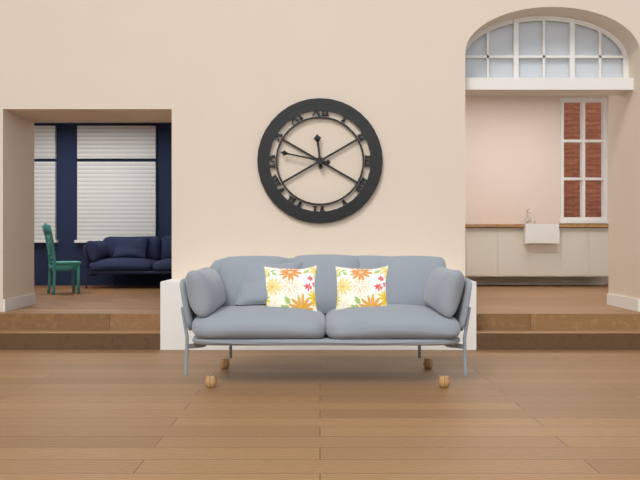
11:47
